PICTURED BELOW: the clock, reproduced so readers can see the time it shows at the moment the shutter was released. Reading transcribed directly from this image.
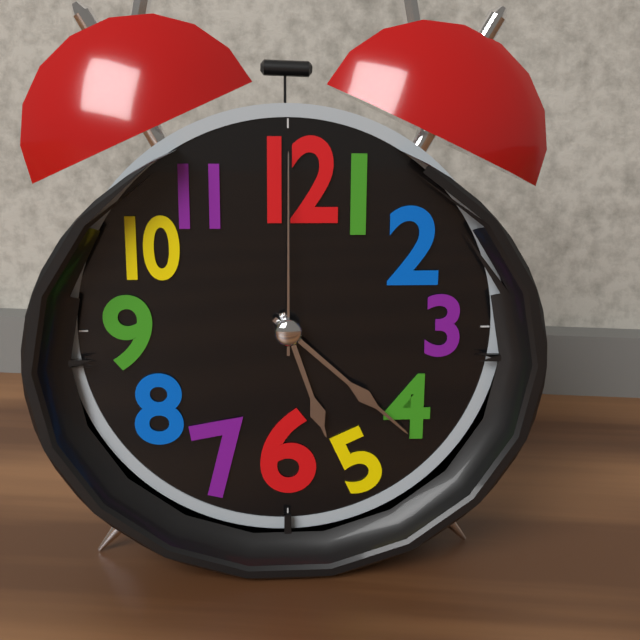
5:22:00
